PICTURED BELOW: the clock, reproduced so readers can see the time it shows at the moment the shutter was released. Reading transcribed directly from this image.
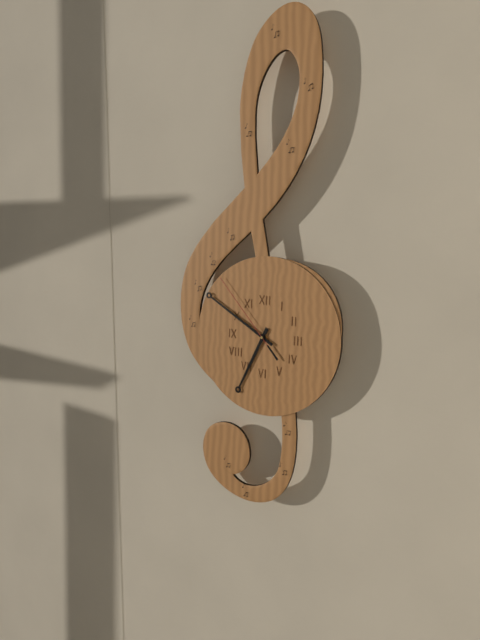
6:50:53
